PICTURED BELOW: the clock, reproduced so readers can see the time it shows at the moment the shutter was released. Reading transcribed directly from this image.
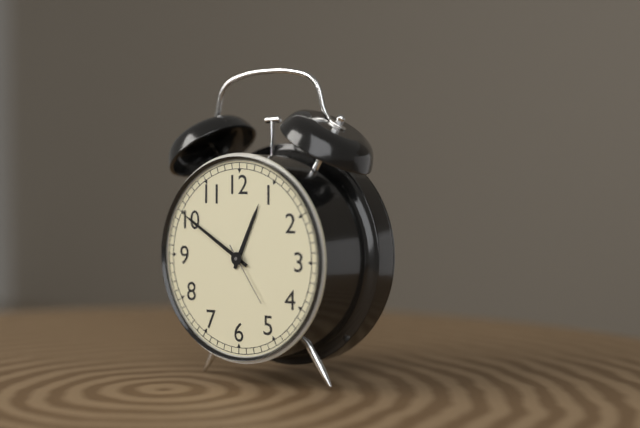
12:50:24
